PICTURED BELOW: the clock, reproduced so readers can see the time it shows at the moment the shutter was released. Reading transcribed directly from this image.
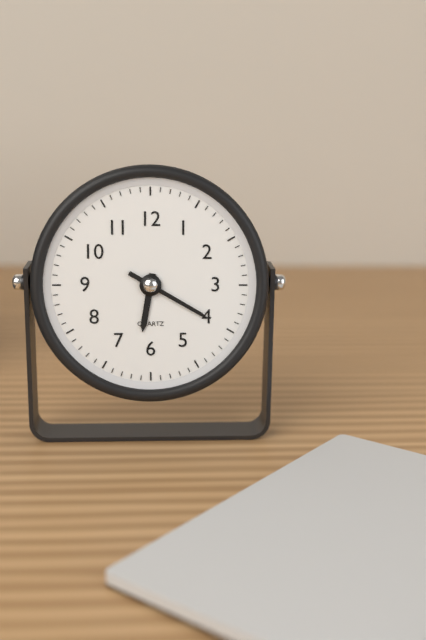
6:20
